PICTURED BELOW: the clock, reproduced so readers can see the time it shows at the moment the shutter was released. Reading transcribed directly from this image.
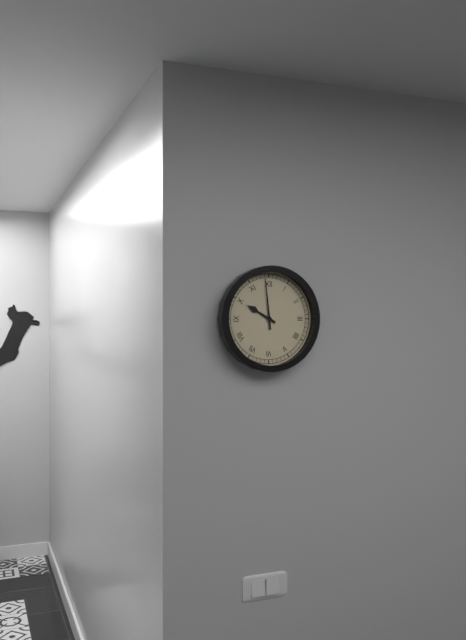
9:59
